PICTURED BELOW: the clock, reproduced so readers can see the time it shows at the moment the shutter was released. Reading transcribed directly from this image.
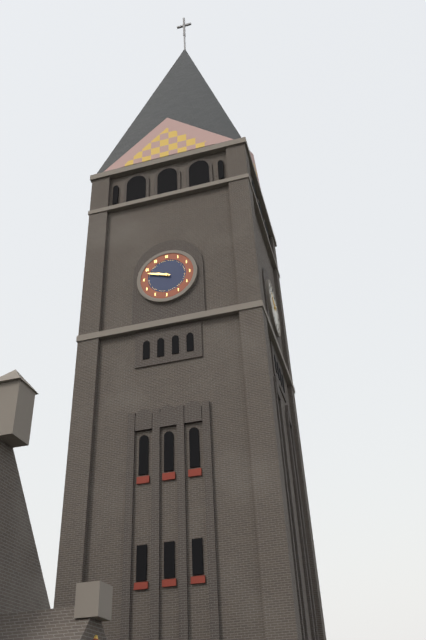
9:48
